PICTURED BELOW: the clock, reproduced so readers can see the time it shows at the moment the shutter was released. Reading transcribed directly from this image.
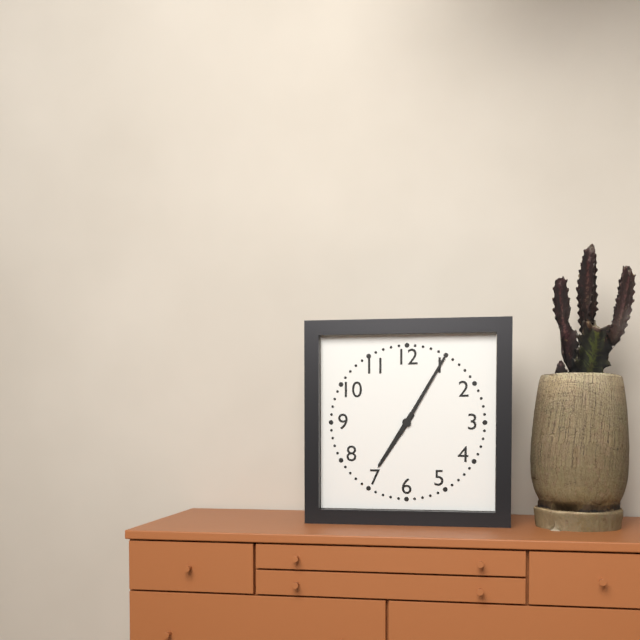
7:05
